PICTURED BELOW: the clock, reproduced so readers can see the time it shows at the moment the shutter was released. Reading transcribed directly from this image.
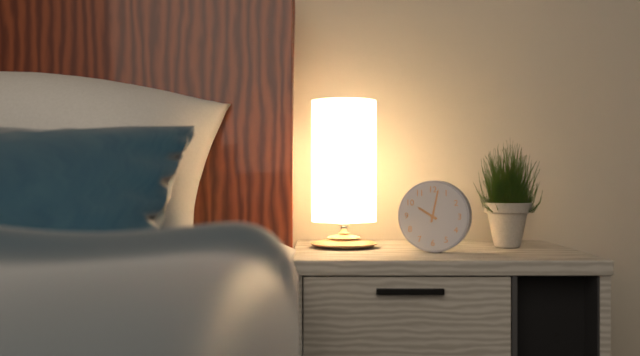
10:02
